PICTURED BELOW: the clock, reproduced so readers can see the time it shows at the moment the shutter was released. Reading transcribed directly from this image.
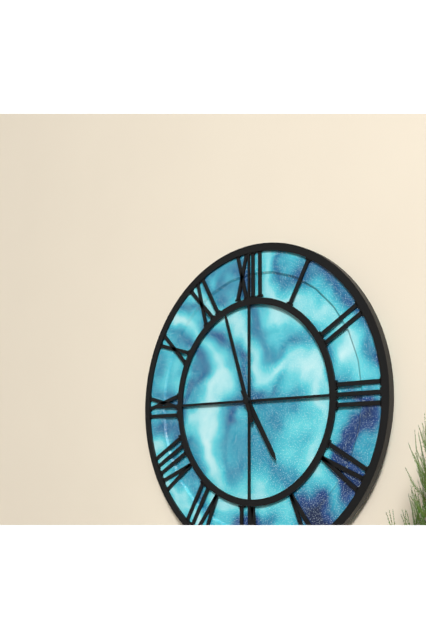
4:57
